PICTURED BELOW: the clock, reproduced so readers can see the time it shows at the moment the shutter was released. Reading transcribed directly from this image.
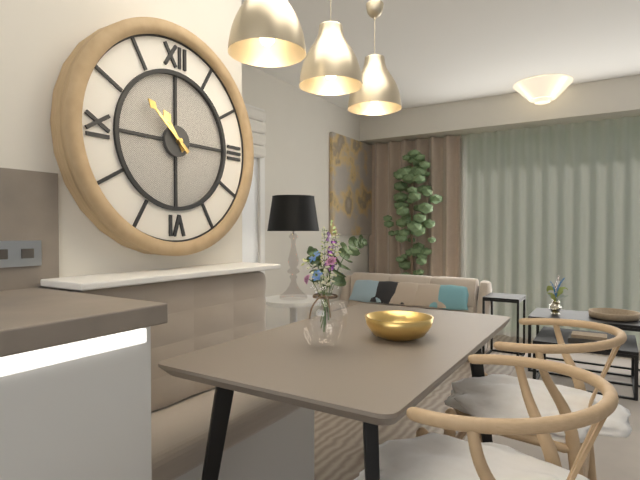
10:52
